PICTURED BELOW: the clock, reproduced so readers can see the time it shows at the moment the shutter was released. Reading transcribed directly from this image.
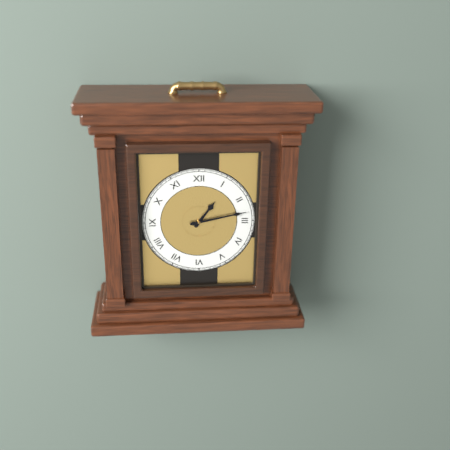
1:13
